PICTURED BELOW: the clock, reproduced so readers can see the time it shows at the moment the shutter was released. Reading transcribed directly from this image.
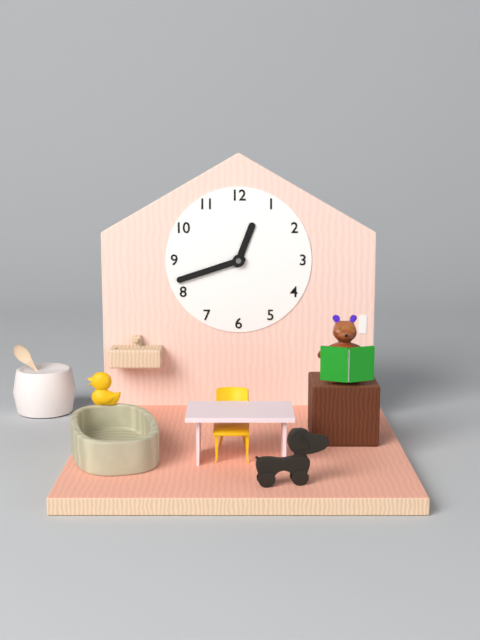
12:42
